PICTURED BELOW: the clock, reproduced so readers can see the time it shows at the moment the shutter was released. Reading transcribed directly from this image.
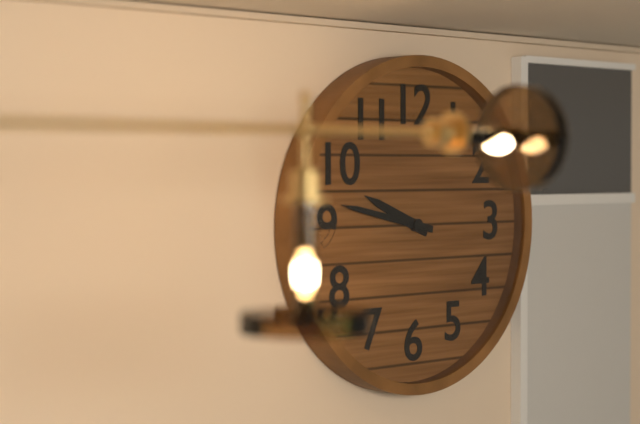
9:47
